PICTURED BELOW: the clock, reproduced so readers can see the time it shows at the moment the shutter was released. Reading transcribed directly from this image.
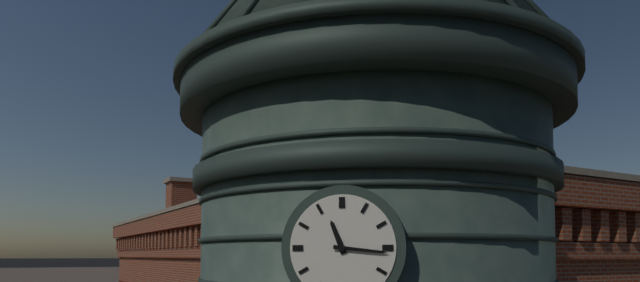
11:16
